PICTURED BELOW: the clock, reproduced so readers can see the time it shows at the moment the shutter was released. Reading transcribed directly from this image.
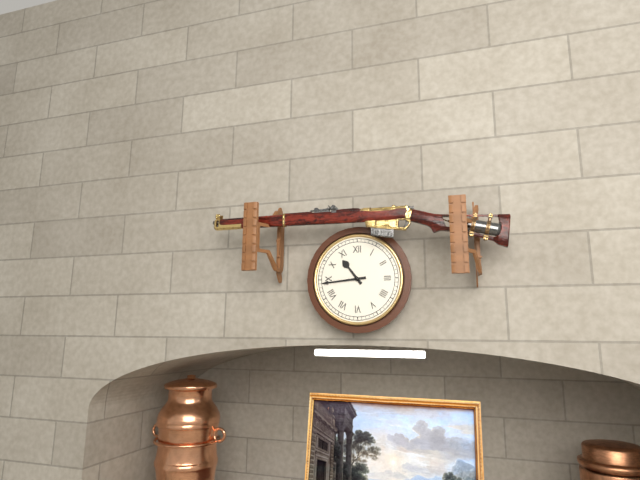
10:44
